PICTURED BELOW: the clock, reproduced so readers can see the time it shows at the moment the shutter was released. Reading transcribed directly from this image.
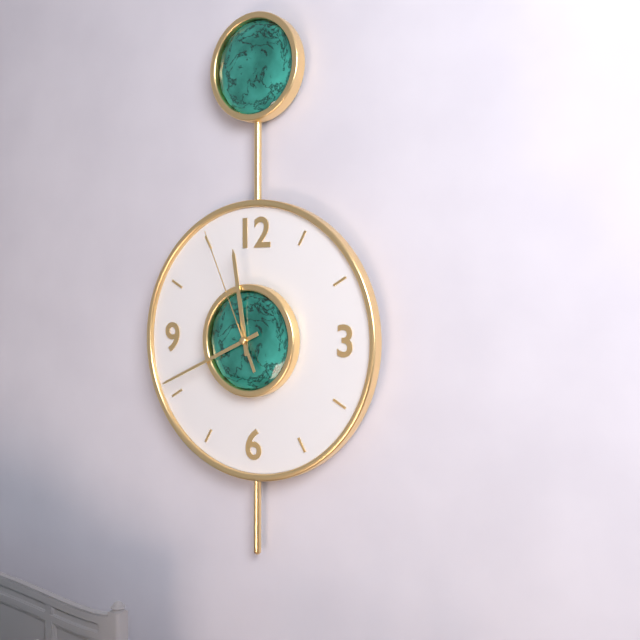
11:41:56
